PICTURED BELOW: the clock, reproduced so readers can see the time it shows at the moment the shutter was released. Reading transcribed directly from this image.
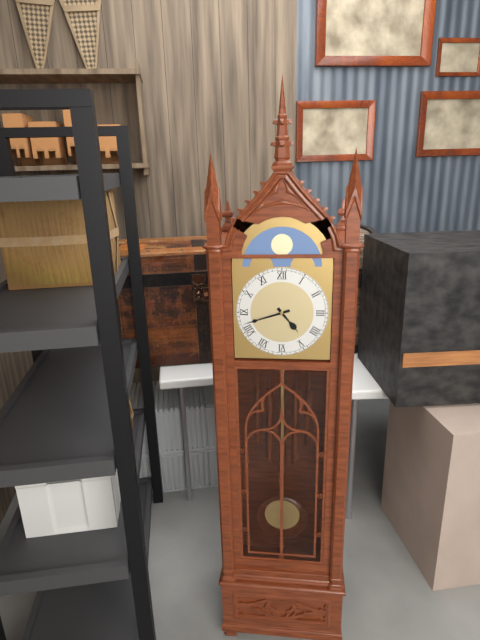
4:42
